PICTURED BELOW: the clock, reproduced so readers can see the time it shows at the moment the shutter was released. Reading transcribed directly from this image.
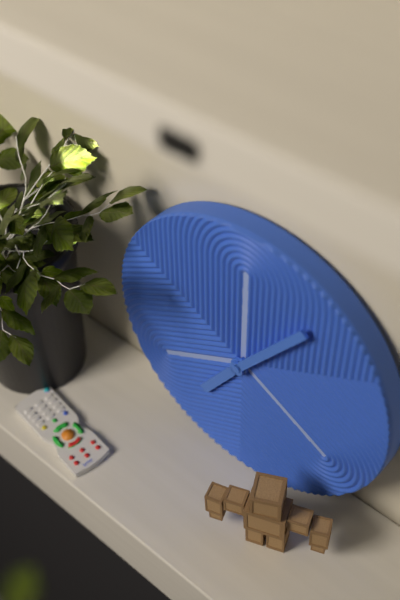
7:06
